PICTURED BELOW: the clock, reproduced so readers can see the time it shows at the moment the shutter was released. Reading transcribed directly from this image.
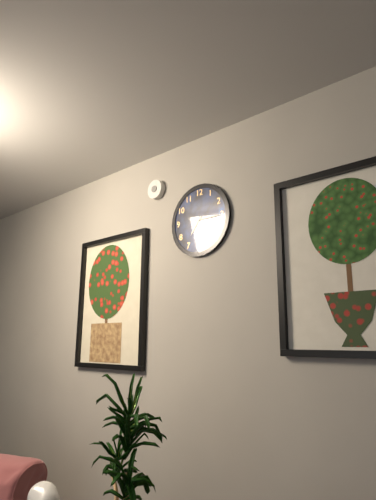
7:15
